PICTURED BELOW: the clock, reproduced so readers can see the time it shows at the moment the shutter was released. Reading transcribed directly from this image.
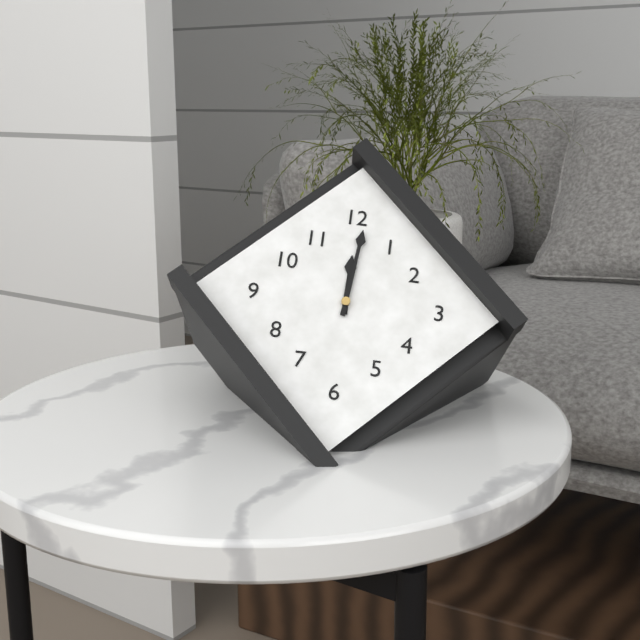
12:01
